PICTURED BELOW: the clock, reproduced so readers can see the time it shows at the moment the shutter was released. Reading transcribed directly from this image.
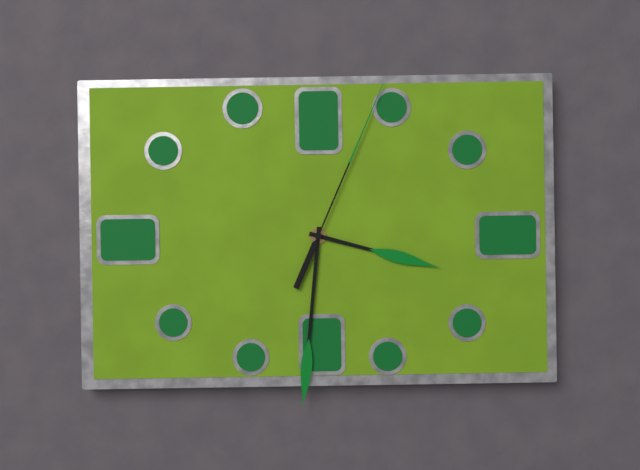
3:31:04
